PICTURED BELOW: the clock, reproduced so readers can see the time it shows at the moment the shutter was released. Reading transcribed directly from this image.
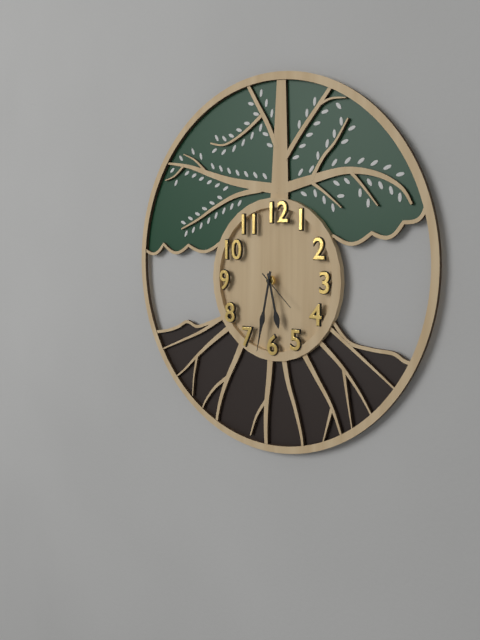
5:32
